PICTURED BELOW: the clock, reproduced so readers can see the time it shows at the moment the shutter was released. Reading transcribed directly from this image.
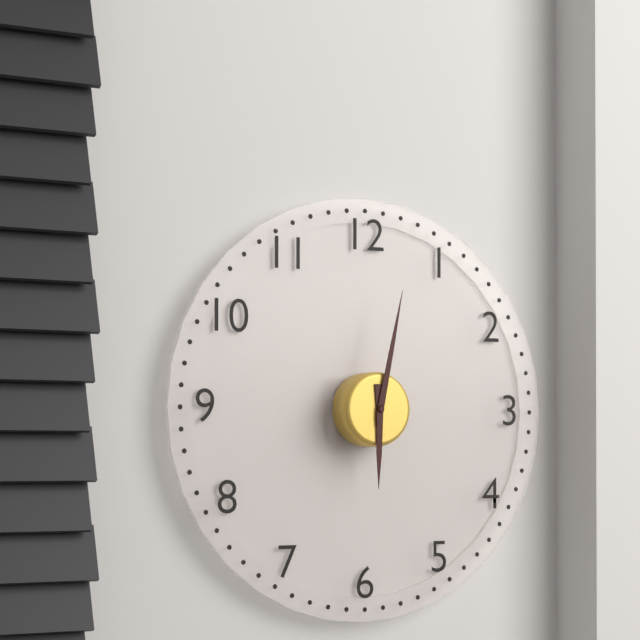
6:02
